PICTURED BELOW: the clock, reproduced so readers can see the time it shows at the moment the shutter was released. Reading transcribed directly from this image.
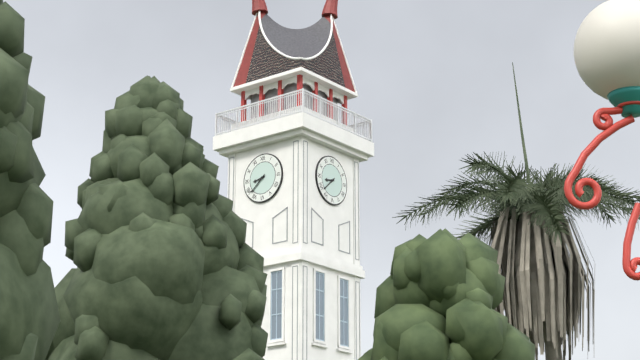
8:38
